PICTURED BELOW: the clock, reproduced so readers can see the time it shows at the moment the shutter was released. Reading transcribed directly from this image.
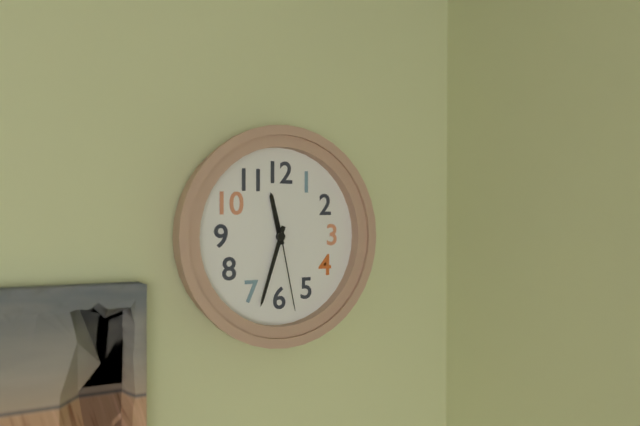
11:33:28
